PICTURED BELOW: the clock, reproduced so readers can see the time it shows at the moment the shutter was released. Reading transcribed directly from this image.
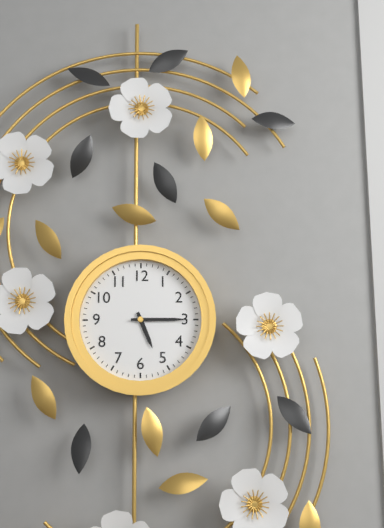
5:15
